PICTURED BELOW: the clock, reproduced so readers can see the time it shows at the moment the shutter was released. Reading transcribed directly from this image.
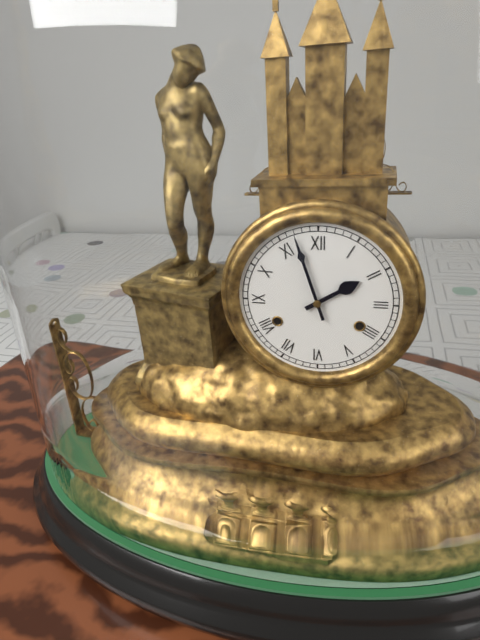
1:57
